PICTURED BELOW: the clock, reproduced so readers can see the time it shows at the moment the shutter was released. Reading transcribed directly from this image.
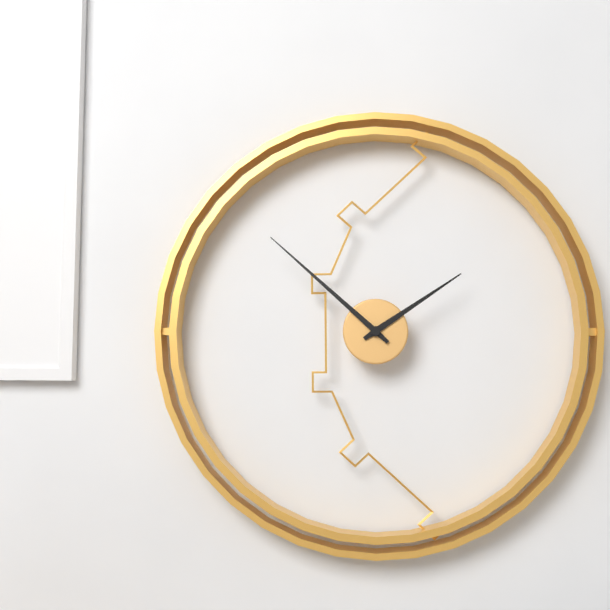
1:52
